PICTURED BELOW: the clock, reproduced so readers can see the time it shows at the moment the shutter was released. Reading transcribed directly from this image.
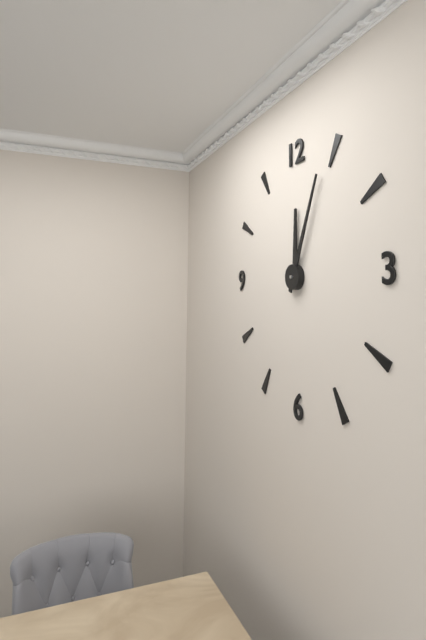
12:04
